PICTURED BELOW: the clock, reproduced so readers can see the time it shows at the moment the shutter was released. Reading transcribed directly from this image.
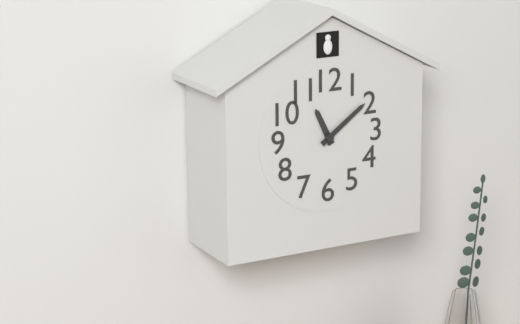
11:09
